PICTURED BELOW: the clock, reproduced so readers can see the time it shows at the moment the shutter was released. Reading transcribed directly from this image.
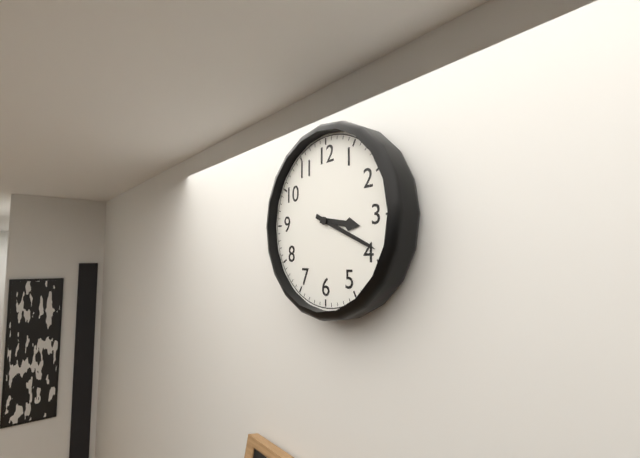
3:19
